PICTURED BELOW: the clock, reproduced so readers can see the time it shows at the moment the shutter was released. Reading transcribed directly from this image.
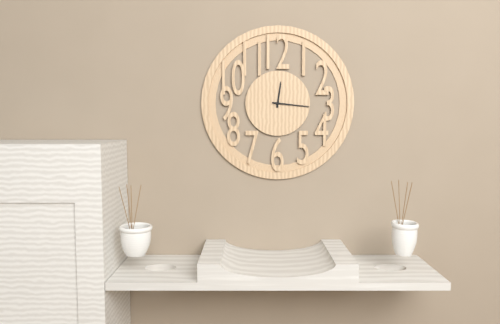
12:16
